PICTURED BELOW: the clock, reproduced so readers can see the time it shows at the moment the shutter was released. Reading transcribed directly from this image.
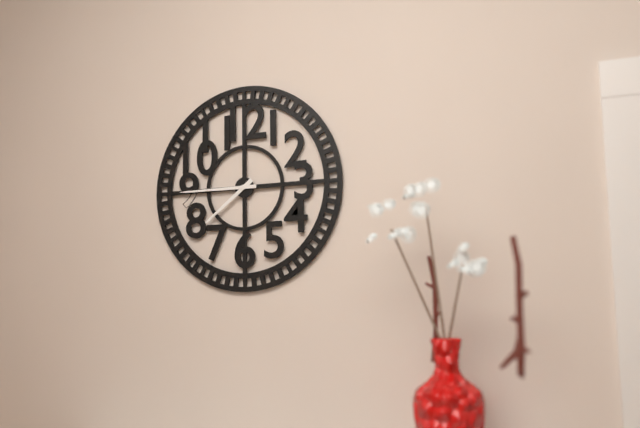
7:45
